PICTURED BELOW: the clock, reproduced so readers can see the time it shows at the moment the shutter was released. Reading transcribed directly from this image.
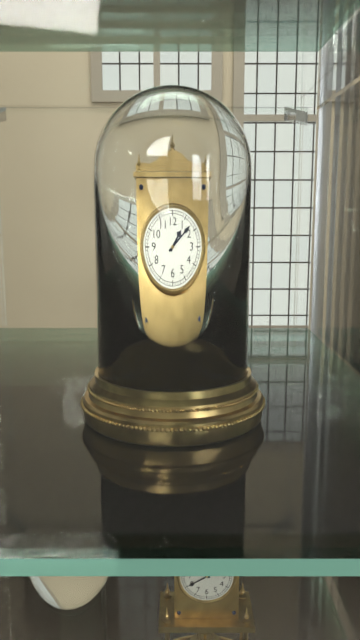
1:08
